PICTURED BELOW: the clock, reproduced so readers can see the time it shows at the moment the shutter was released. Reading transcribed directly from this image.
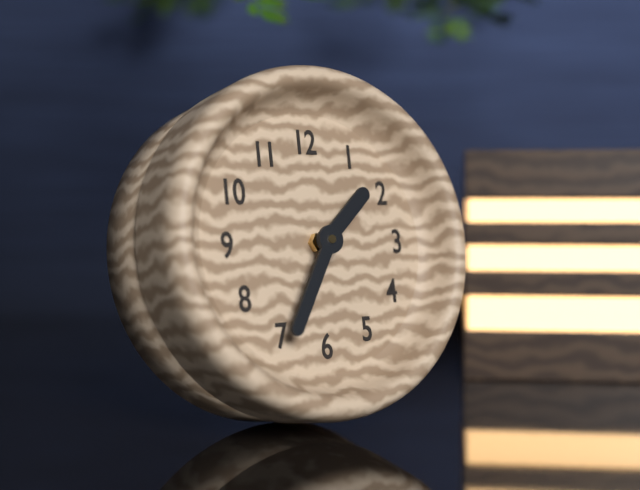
1:35
